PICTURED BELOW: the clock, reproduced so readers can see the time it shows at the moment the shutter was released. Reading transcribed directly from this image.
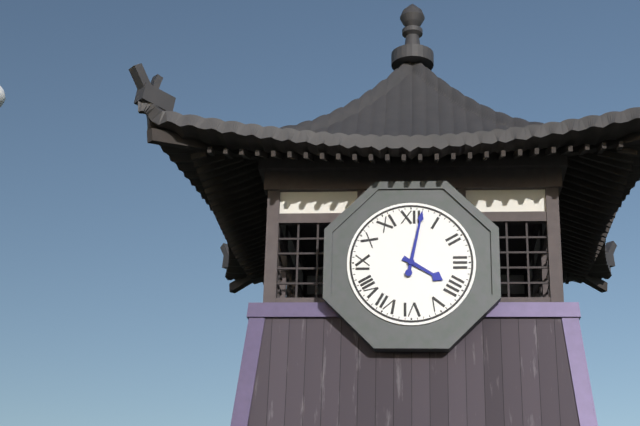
4:02
